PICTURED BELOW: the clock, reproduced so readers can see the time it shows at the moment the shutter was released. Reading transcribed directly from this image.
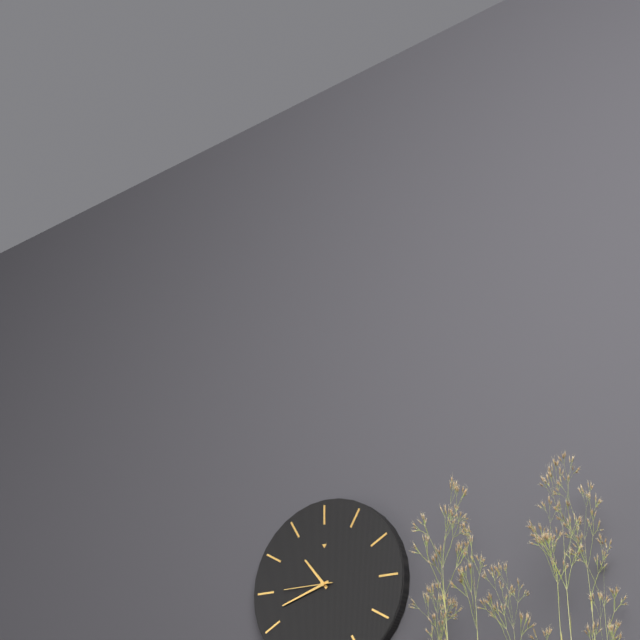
10:42
